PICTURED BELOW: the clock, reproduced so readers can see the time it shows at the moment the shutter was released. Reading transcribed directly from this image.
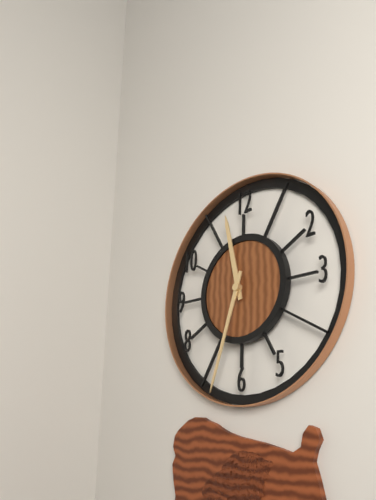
11:33
